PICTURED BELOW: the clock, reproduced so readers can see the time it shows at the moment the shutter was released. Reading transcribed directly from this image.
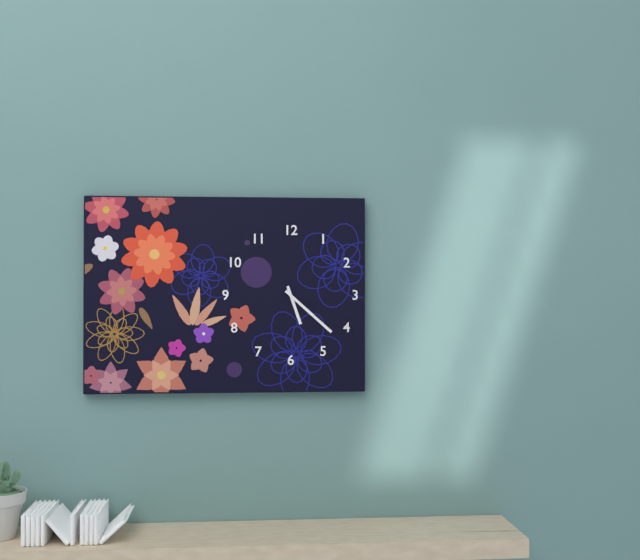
5:22
